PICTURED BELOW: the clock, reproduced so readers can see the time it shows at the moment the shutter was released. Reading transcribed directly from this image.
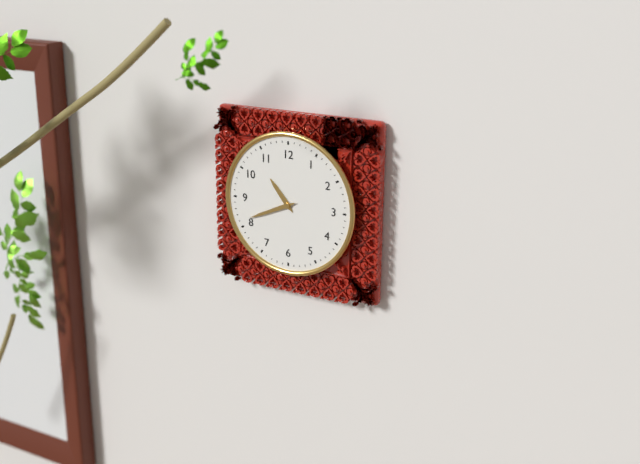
10:41
